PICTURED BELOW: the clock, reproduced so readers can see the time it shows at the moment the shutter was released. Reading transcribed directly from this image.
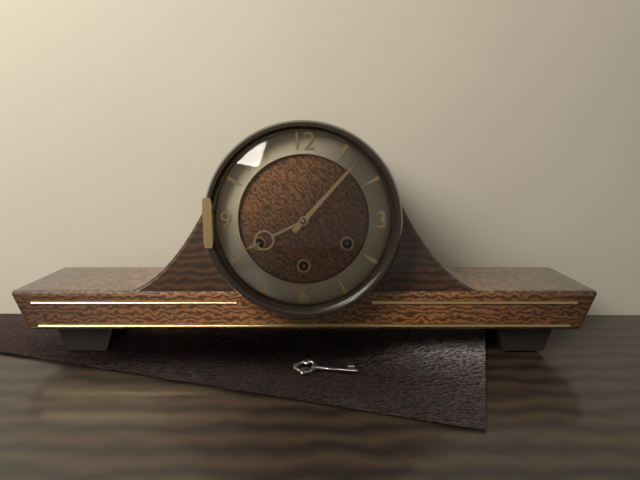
8:07
